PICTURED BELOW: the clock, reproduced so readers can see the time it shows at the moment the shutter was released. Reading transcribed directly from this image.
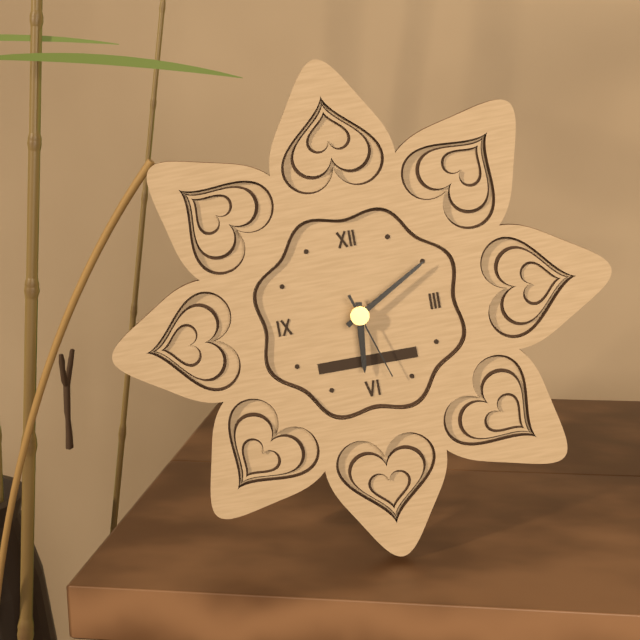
6:10:27
